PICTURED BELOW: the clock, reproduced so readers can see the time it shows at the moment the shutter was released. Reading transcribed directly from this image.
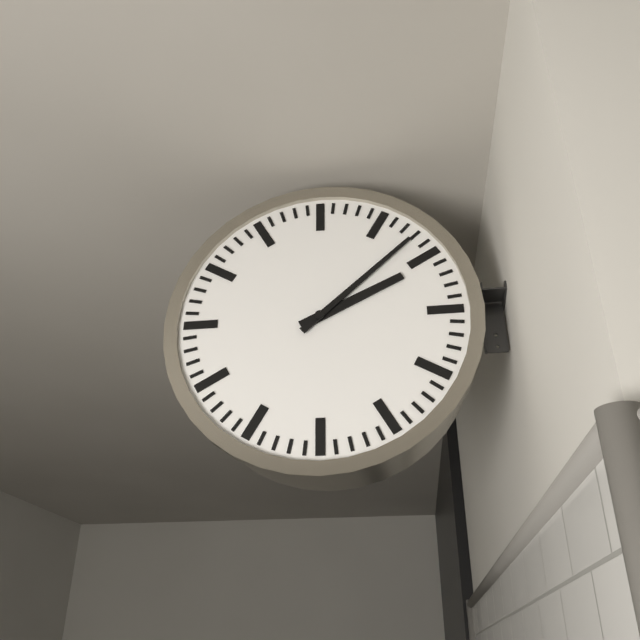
2:08
